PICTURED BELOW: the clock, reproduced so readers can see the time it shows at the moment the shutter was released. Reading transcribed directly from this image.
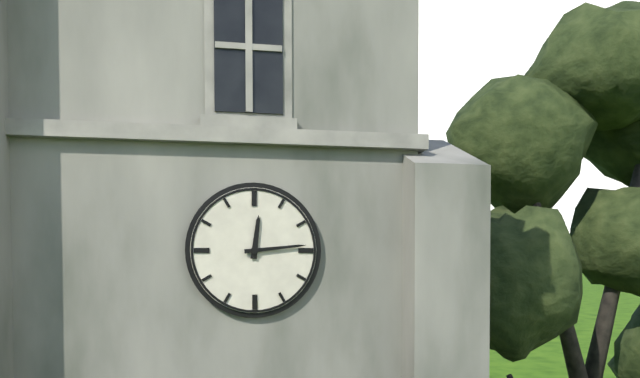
12:14
